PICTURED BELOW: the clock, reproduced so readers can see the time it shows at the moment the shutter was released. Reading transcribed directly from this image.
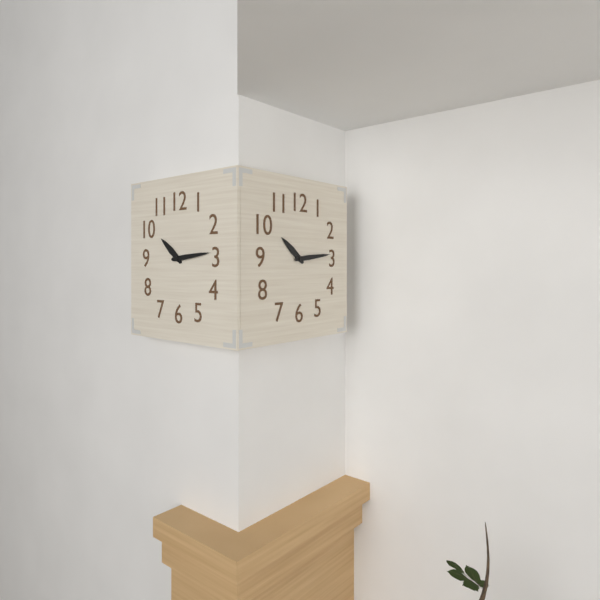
10:14
